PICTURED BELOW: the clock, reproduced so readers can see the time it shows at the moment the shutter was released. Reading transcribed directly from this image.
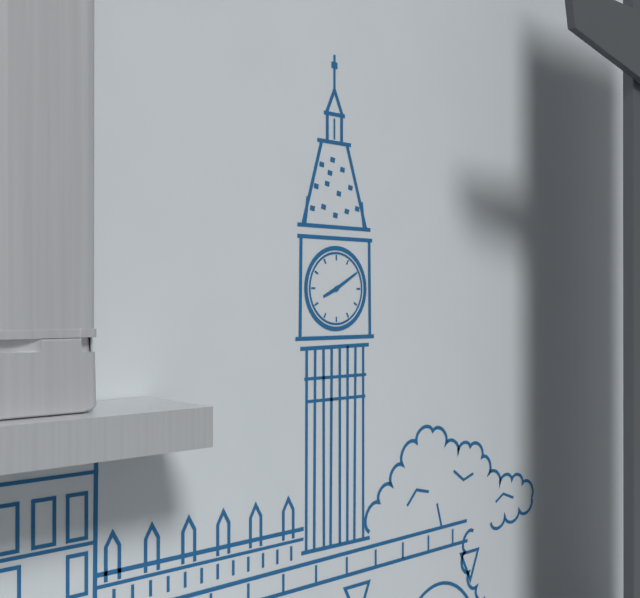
8:10
